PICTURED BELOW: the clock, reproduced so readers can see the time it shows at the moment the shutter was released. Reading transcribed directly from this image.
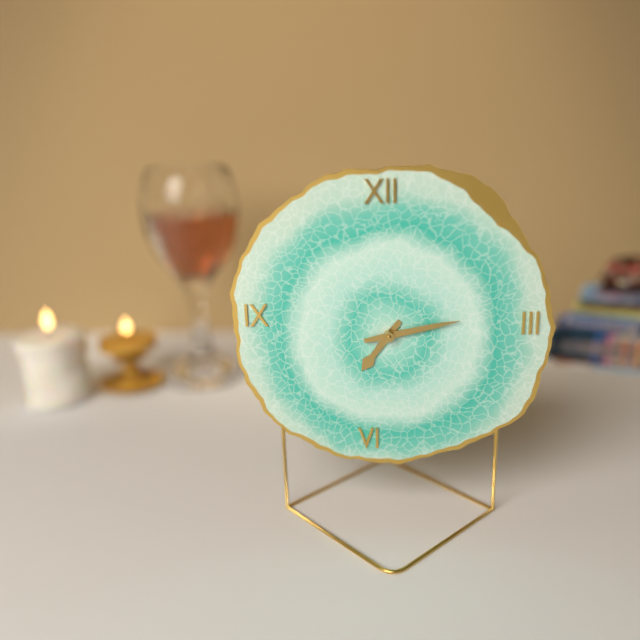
7:13
